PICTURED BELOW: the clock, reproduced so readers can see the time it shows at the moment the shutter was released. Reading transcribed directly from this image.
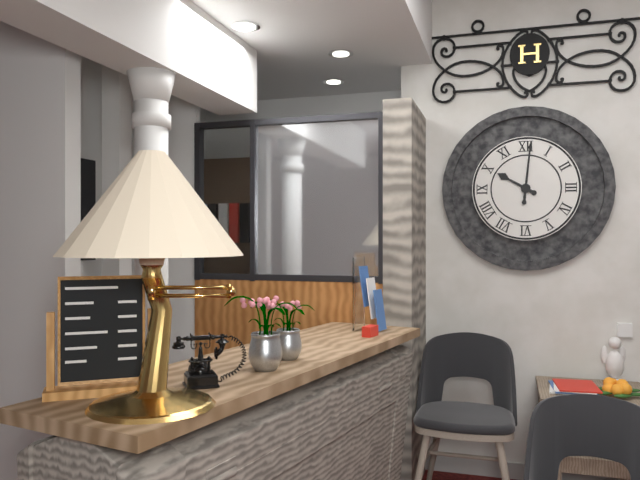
10:01
